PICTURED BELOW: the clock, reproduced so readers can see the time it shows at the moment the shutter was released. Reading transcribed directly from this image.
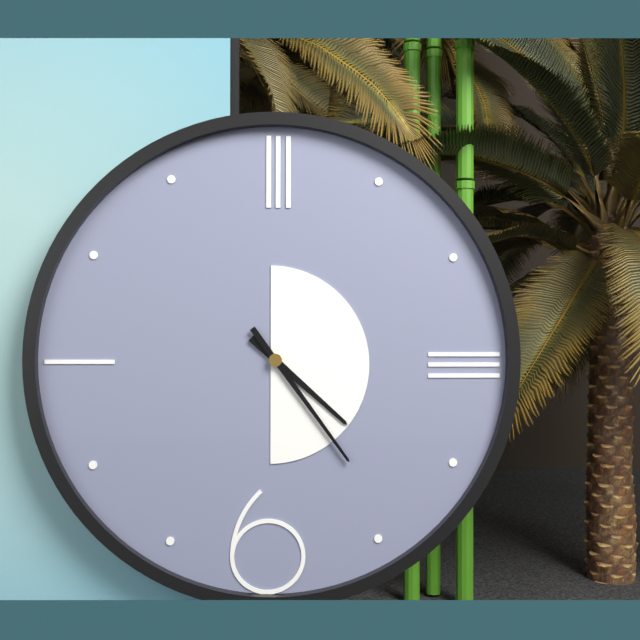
4:24
